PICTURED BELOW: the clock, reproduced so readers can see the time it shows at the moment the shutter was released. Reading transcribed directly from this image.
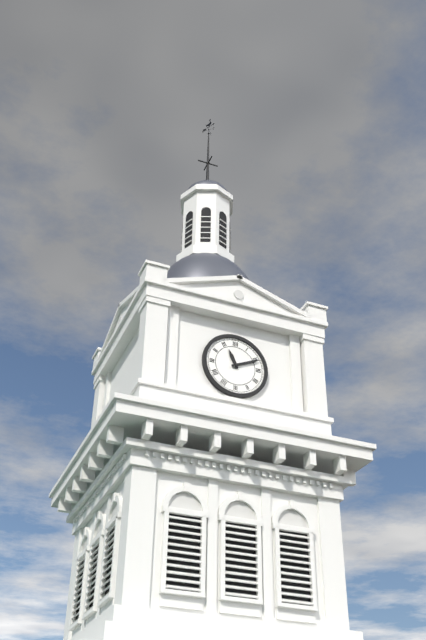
11:11
